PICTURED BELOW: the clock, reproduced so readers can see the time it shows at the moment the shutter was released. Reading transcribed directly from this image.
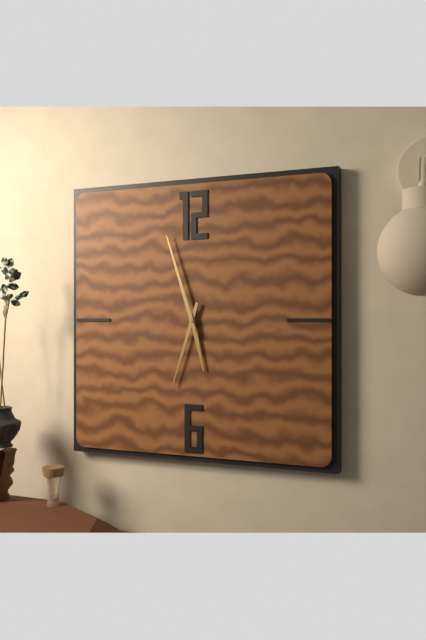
5:33:57
